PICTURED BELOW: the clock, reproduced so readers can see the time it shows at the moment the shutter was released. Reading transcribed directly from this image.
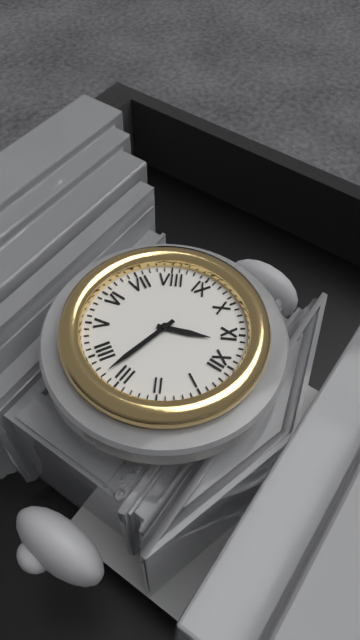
11:17
